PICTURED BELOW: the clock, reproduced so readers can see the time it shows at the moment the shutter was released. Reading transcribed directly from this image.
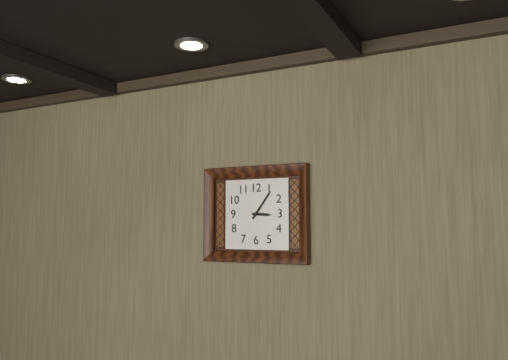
3:06
